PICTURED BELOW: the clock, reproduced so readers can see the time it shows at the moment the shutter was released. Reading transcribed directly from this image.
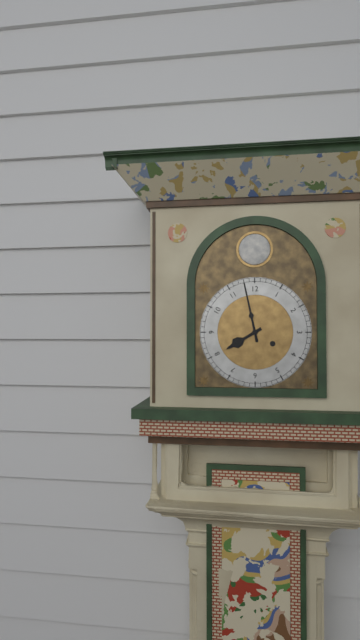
7:58
